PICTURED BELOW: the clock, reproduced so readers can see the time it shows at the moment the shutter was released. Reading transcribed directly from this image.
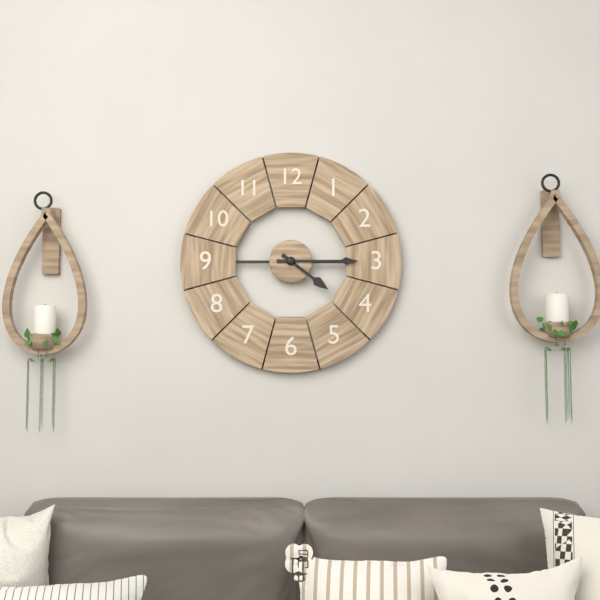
4:15
